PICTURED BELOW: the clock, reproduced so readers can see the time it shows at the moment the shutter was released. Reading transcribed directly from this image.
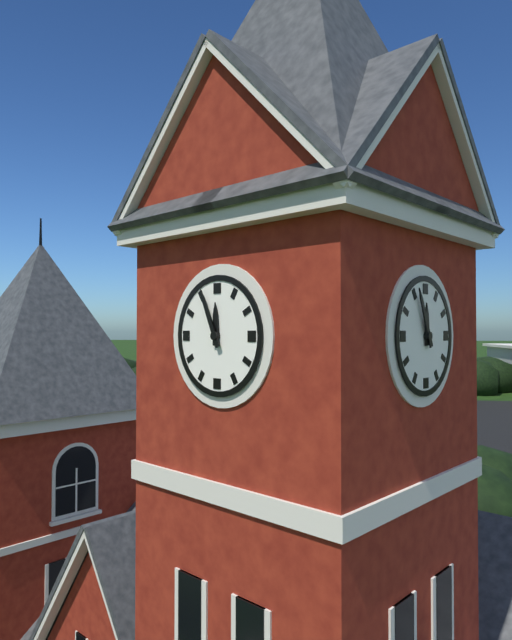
11:56
